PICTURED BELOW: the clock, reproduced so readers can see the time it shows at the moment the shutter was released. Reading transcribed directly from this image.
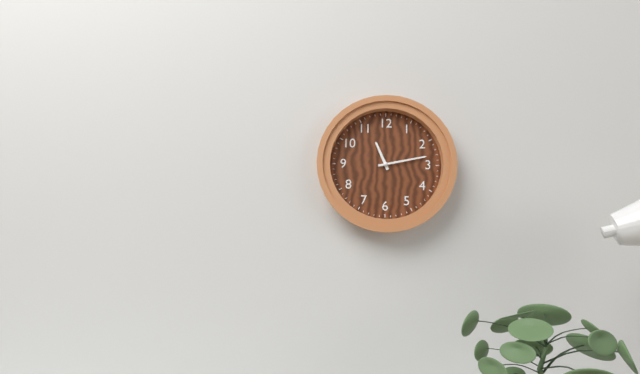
11:13
